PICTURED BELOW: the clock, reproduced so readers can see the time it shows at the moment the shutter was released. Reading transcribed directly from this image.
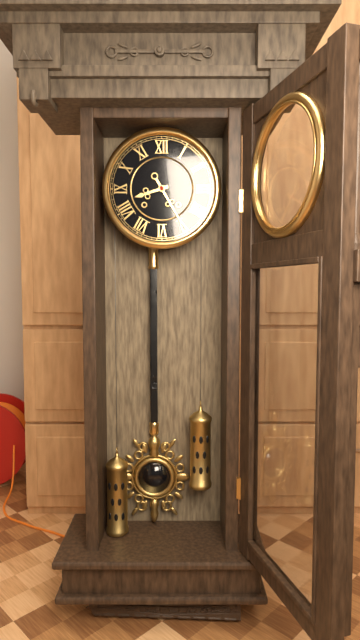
8:25
